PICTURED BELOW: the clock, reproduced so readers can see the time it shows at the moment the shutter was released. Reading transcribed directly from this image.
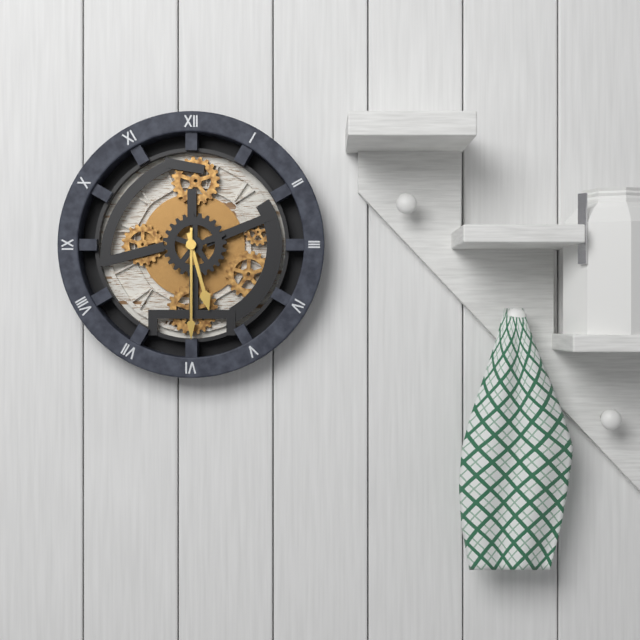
5:30
